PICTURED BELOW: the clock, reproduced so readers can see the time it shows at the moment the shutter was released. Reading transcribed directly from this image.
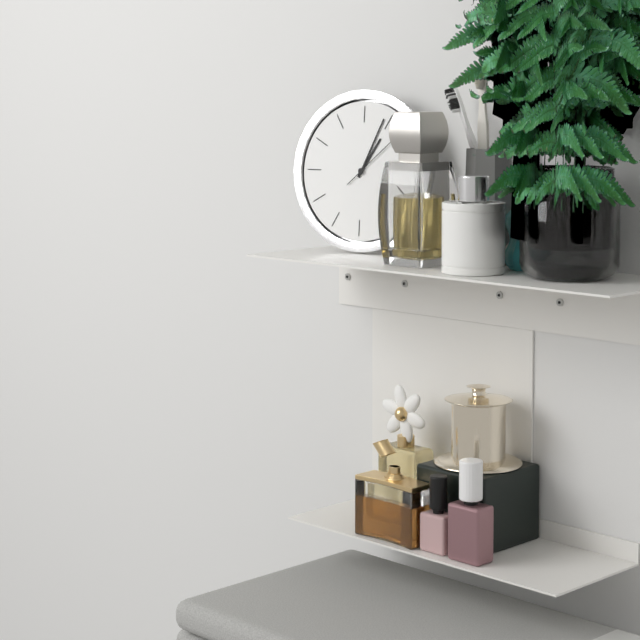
1:04:08
